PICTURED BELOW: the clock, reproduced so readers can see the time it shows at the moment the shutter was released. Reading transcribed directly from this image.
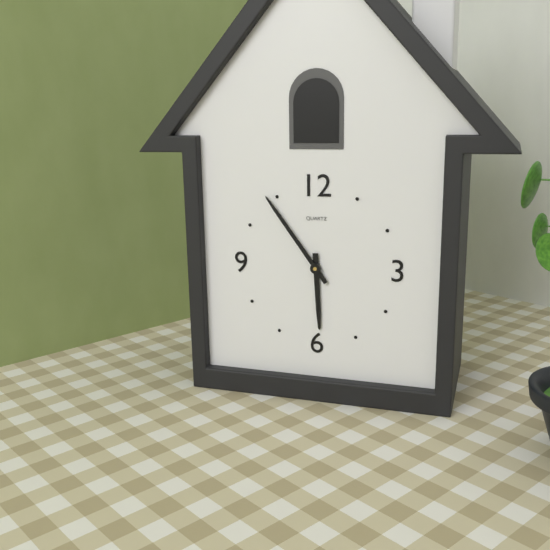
5:54
